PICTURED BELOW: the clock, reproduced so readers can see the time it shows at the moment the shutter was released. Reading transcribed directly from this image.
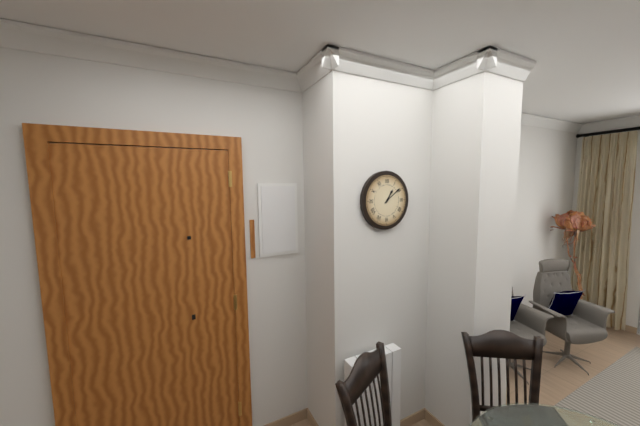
1:09
